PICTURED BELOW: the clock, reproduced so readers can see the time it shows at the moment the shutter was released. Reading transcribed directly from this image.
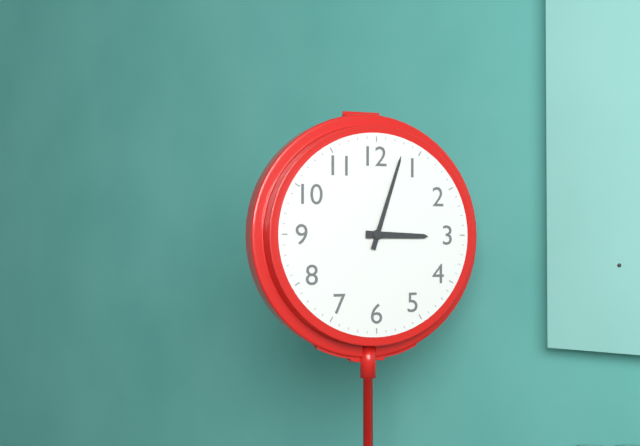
3:03
